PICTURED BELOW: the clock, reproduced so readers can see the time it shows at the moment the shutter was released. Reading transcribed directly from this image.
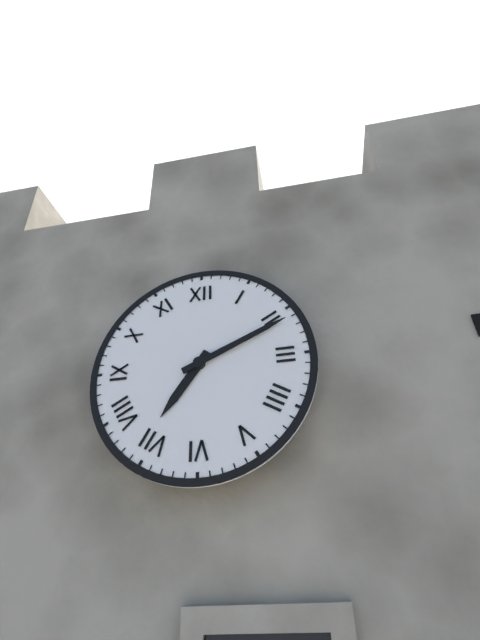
7:11
